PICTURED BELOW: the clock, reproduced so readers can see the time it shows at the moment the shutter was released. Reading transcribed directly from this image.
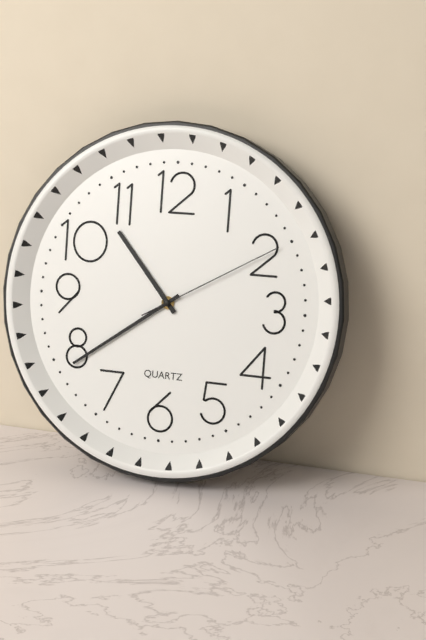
10:39:10
